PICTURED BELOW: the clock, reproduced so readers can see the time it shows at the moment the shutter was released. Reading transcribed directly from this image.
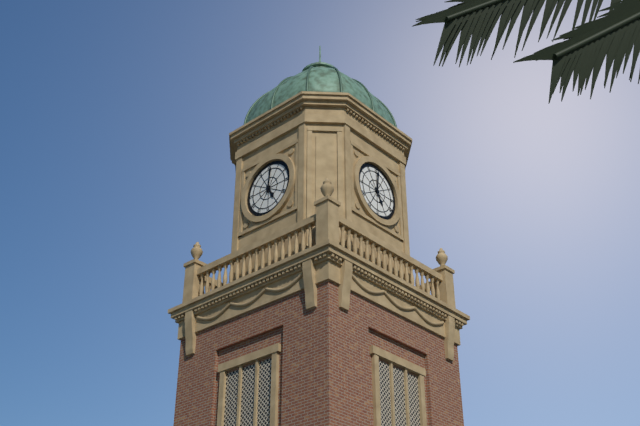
5:01
